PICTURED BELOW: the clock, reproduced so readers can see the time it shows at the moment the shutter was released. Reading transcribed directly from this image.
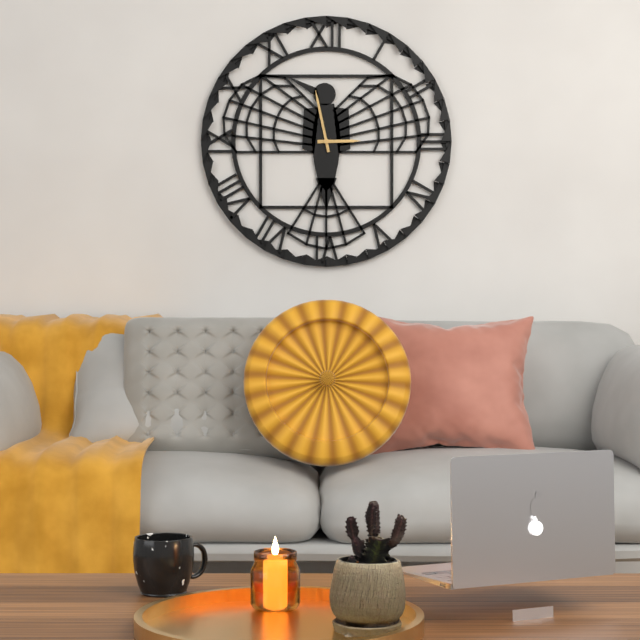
2:58
